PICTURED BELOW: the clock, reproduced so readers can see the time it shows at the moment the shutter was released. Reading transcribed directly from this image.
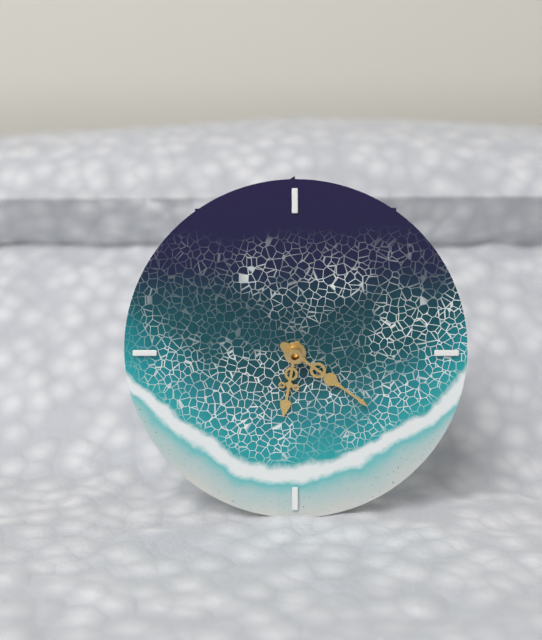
6:21
